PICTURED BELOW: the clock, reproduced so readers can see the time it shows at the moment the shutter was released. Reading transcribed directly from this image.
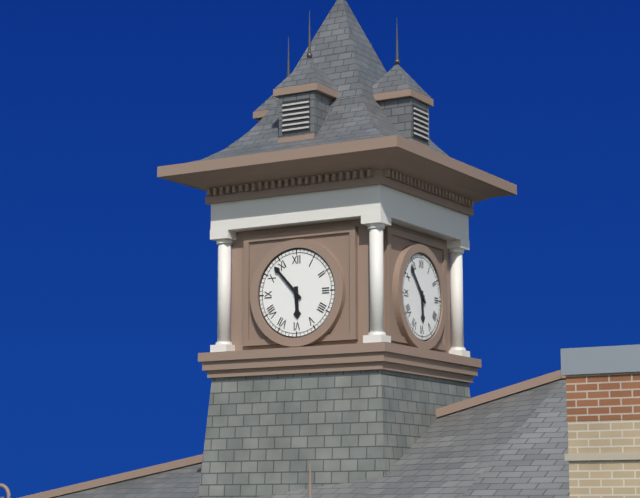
5:53
